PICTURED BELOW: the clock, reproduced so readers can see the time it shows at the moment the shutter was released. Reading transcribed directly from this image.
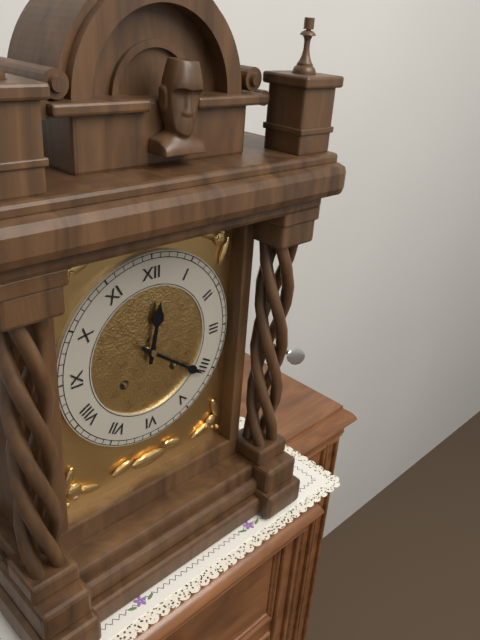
12:21
